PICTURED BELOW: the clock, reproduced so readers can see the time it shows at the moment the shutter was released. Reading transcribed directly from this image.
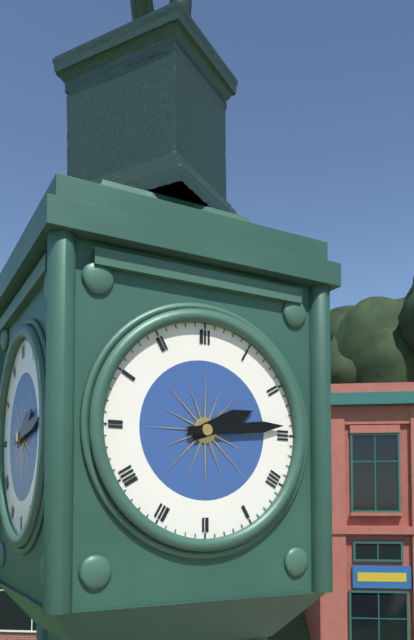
2:14
